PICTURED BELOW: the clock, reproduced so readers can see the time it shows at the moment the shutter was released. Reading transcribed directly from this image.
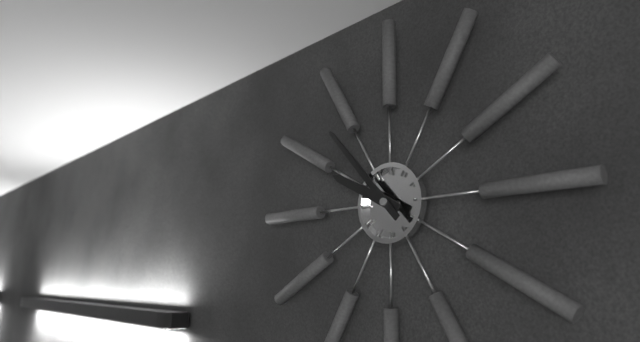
9:53
